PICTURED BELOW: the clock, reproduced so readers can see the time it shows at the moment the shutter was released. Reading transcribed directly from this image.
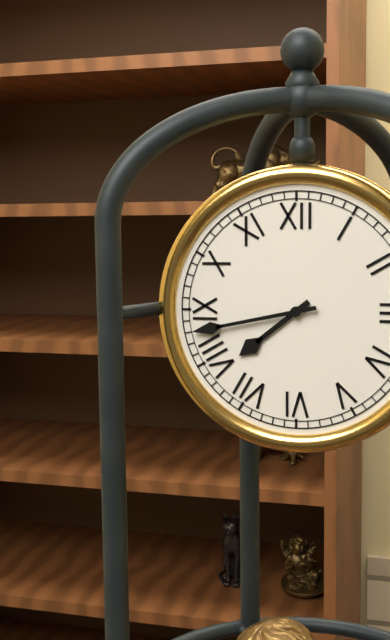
7:43
